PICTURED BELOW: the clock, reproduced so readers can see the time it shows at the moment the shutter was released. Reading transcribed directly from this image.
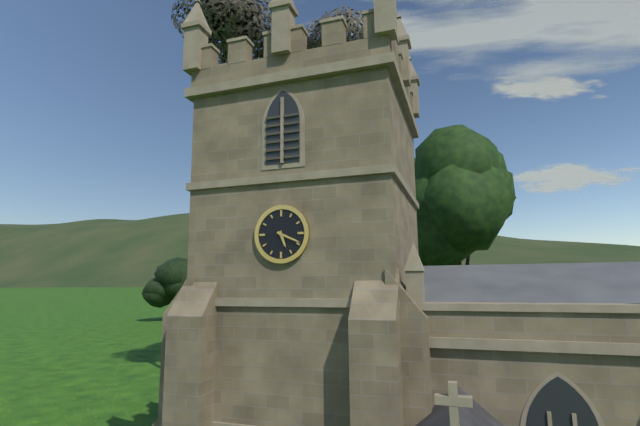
5:19
